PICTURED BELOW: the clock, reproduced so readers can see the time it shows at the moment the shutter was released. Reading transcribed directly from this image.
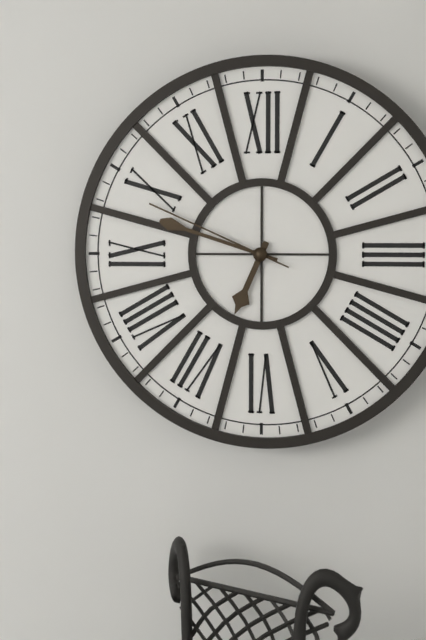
6:48:49
